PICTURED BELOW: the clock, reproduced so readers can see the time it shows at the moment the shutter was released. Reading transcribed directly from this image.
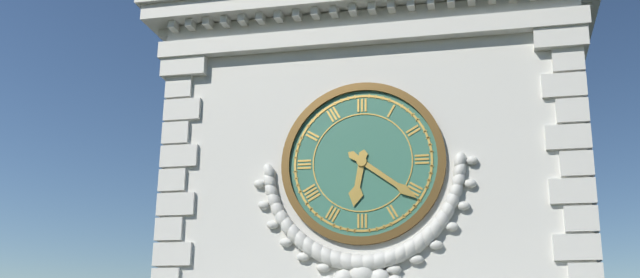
6:21
